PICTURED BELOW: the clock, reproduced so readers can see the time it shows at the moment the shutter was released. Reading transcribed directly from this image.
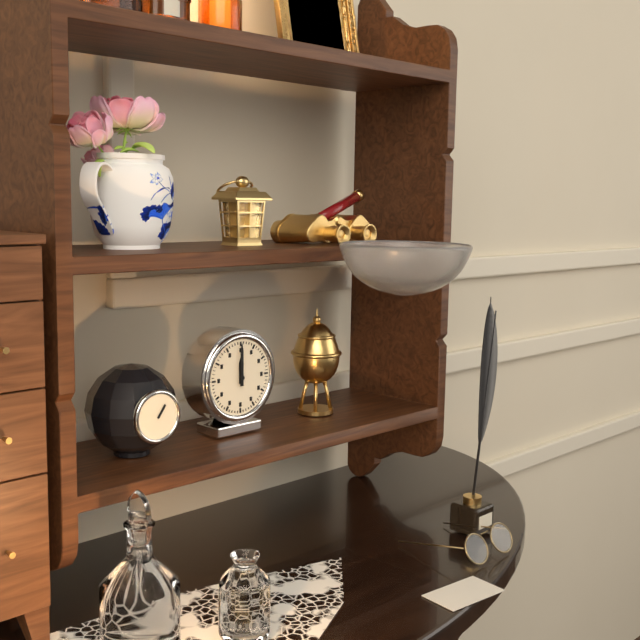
12:00
